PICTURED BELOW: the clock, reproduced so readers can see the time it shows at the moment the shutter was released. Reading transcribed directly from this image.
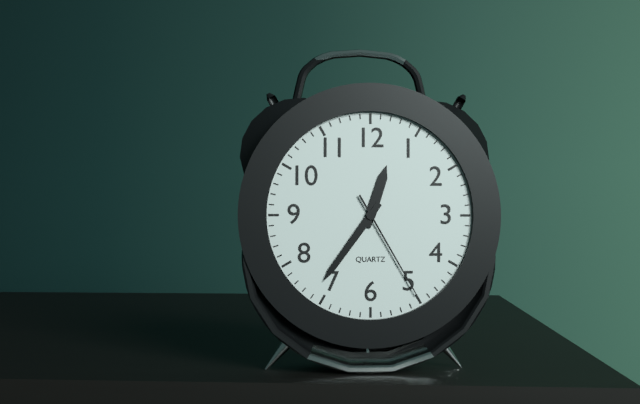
12:36:25
